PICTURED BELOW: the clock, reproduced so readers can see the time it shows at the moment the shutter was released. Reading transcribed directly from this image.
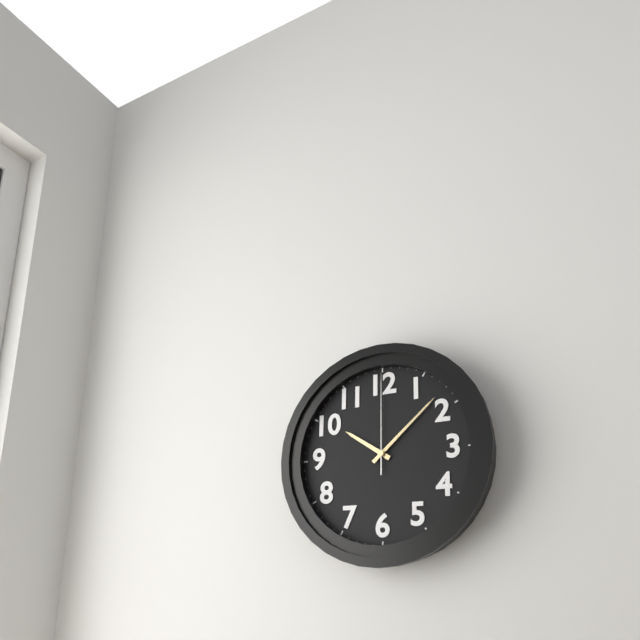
10:08:00
